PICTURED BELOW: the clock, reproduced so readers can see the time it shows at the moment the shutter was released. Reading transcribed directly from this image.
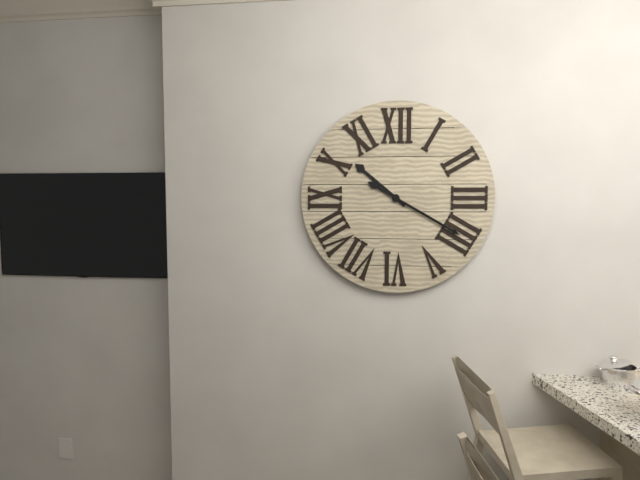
10:20
